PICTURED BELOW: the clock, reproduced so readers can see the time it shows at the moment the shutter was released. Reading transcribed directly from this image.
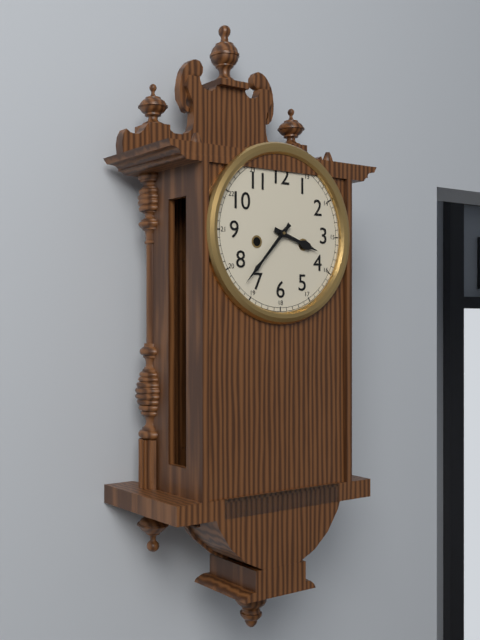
3:37
